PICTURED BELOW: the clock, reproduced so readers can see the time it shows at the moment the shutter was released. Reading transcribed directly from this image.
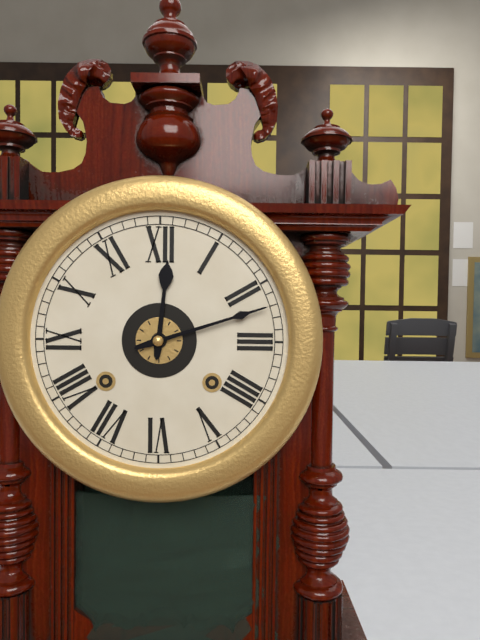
12:12
